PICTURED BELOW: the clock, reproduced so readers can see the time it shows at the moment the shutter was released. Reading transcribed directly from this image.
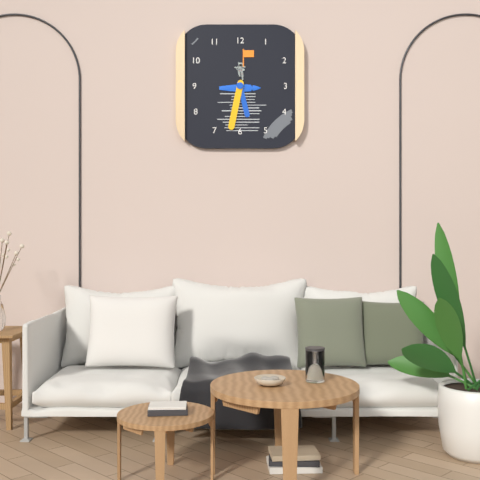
5:32
